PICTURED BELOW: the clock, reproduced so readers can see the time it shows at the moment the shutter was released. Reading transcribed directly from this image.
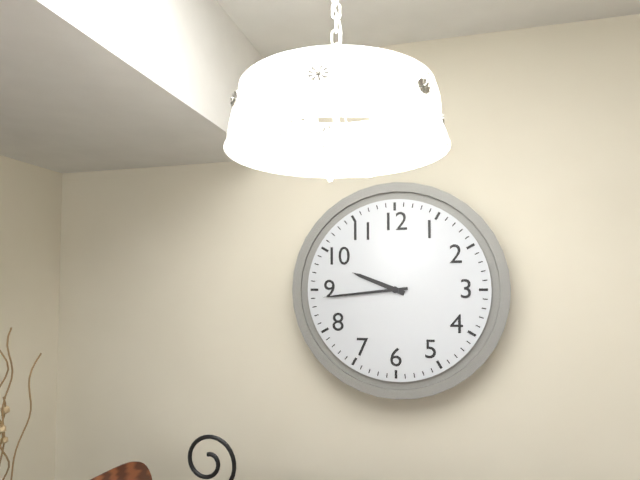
9:44
